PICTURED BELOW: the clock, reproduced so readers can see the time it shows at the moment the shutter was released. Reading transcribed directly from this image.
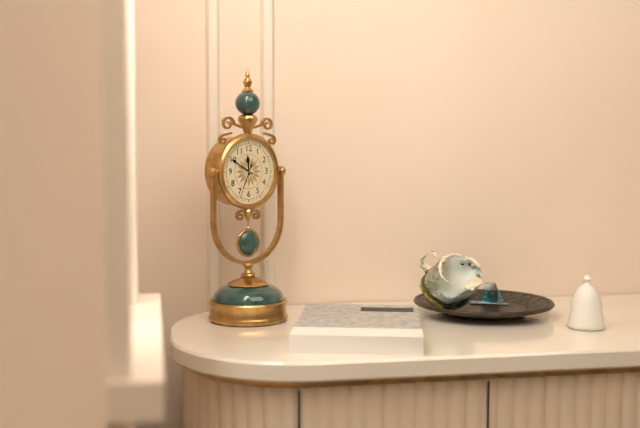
11:50
